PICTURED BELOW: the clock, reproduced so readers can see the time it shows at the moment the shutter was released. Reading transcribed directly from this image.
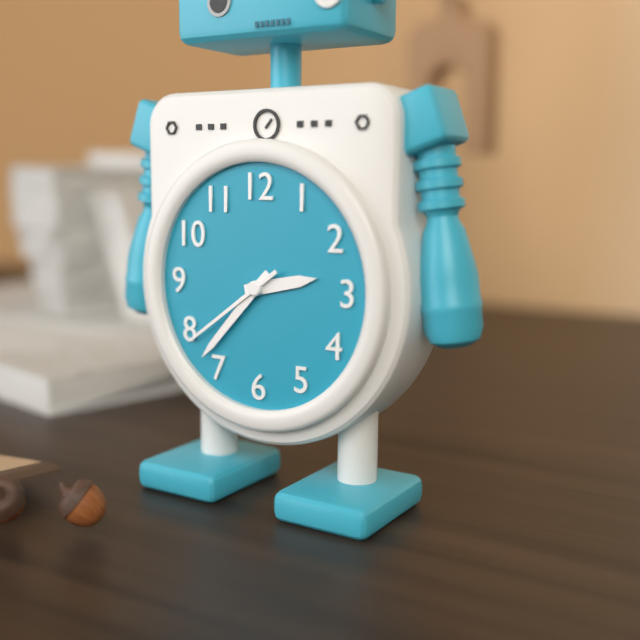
2:37:39
